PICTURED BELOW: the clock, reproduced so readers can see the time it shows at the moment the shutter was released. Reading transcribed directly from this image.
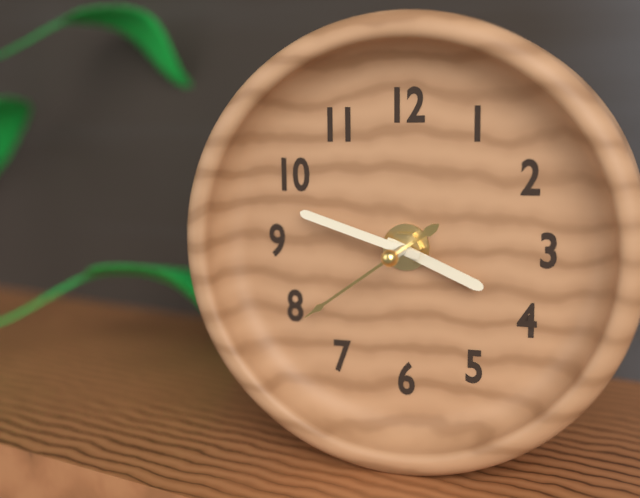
3:48:39
